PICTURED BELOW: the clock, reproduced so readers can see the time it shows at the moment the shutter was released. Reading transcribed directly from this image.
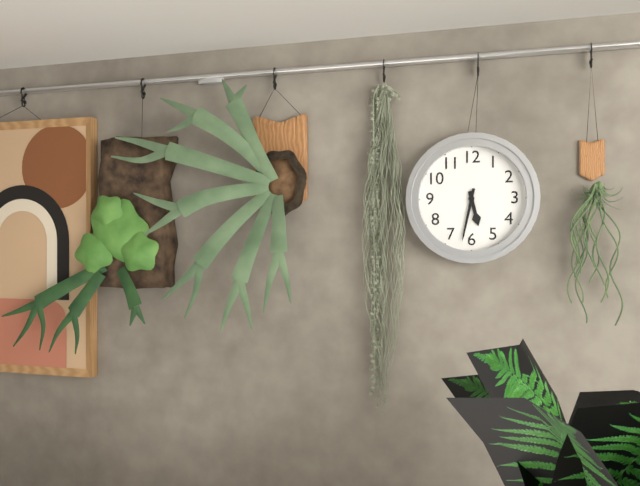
5:32
